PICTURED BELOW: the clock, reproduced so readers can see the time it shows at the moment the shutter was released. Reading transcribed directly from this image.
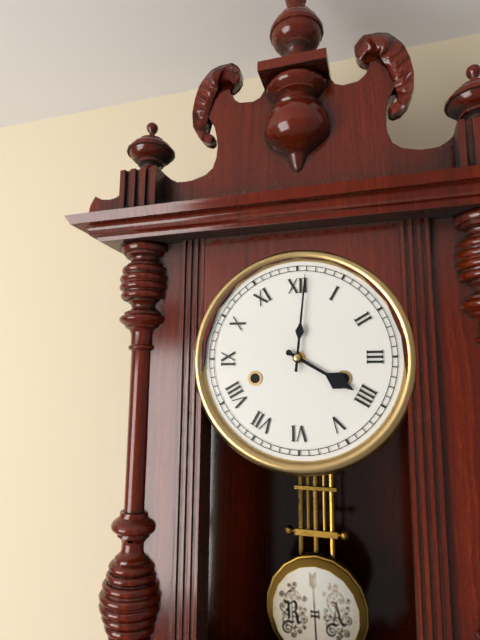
4:01
